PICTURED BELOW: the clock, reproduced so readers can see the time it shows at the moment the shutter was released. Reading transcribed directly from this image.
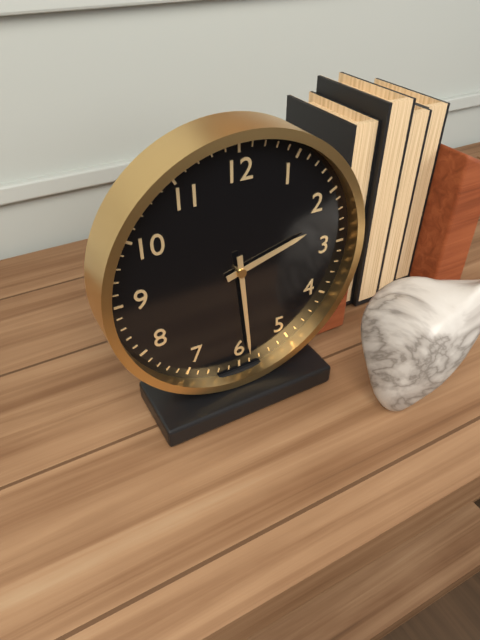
2:29
